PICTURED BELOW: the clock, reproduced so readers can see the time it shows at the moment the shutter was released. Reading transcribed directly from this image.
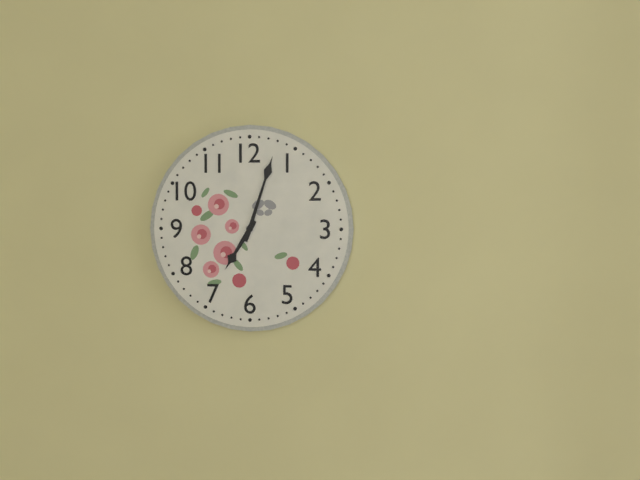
7:03
